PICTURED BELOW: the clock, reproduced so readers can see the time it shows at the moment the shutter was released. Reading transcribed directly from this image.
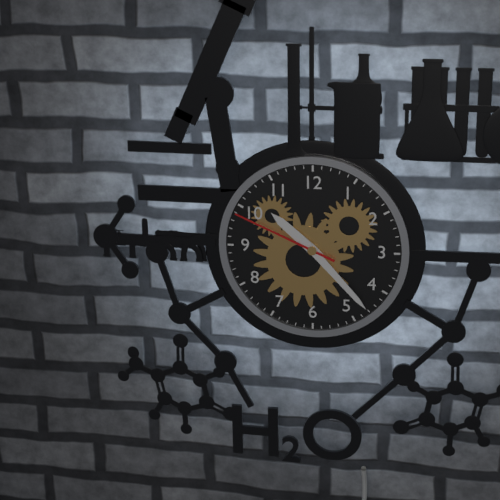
10:23:49
